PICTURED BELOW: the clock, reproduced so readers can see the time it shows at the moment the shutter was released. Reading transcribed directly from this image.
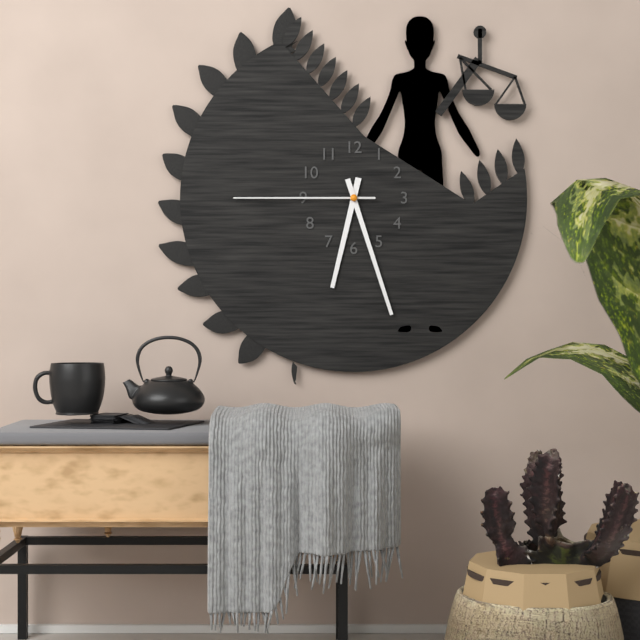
6:27:45
